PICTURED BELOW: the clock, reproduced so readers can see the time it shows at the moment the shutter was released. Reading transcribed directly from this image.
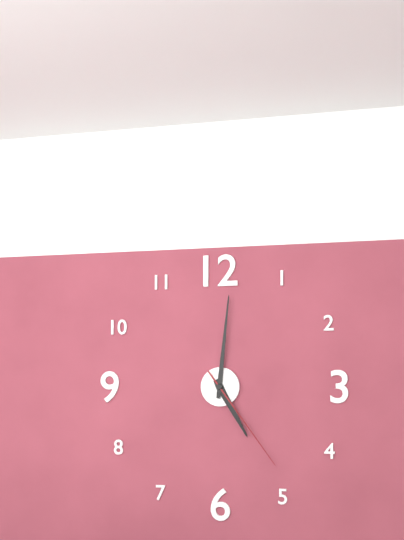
5:01:24
